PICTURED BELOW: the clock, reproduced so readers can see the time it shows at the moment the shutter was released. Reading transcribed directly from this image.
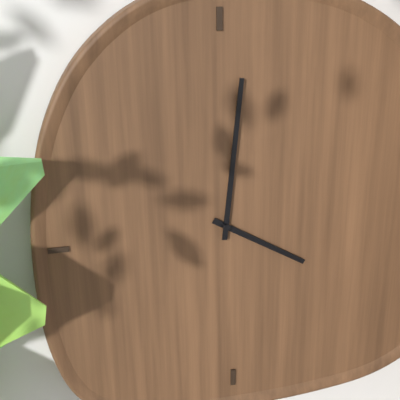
4:01
